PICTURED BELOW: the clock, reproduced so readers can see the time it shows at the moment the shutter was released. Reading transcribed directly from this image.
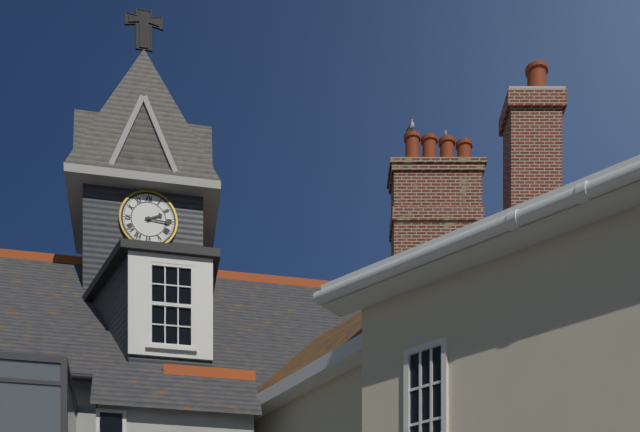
2:16
